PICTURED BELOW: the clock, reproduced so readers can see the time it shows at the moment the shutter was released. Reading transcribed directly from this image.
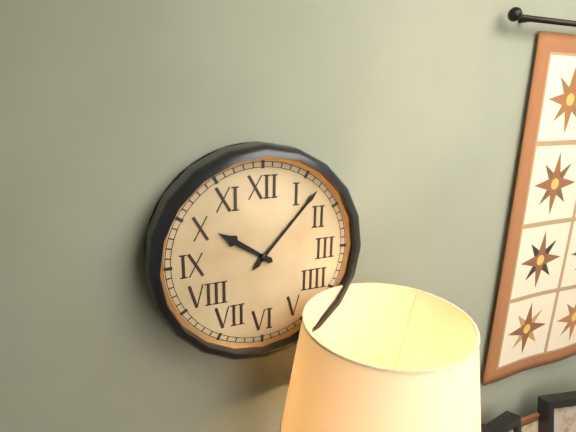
10:07
